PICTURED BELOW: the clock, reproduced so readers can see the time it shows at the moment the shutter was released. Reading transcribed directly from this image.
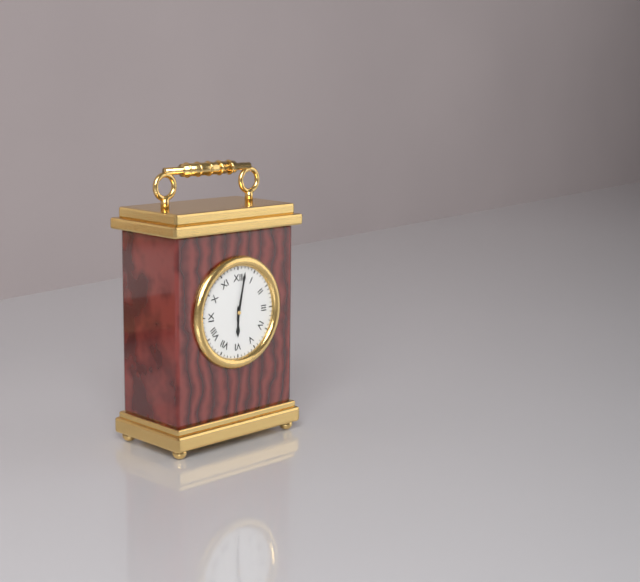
6:02
